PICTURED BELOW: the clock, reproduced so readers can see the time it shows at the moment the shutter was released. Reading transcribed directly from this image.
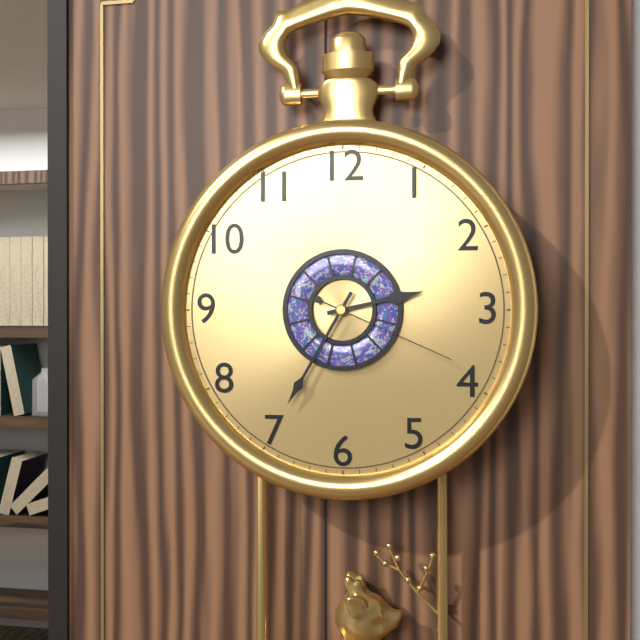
2:35:19
